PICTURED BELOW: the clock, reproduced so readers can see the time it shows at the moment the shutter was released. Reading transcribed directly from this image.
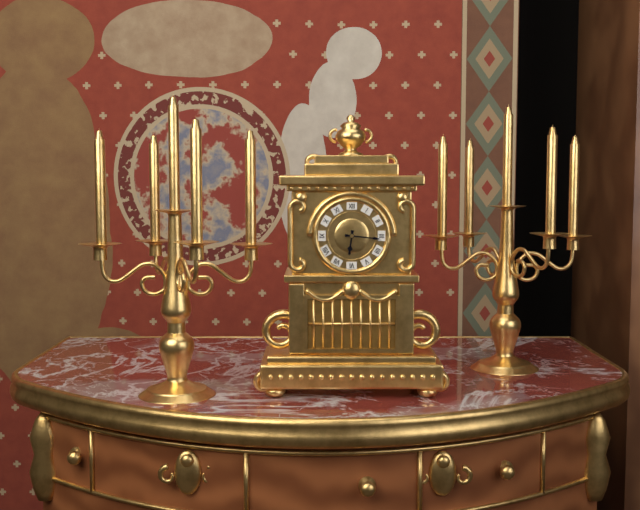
6:16
